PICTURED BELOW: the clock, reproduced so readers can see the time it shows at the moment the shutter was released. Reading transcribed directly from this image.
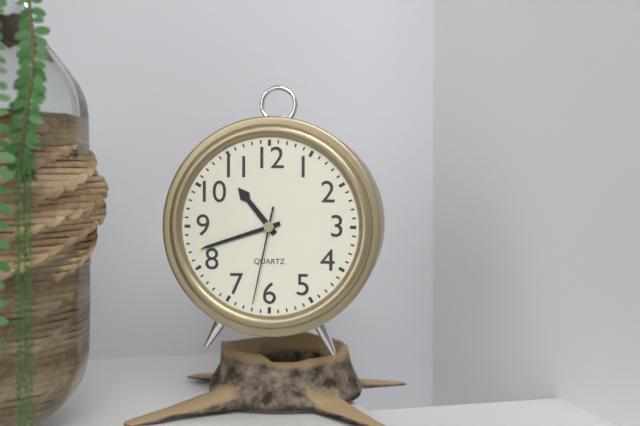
10:42:32
